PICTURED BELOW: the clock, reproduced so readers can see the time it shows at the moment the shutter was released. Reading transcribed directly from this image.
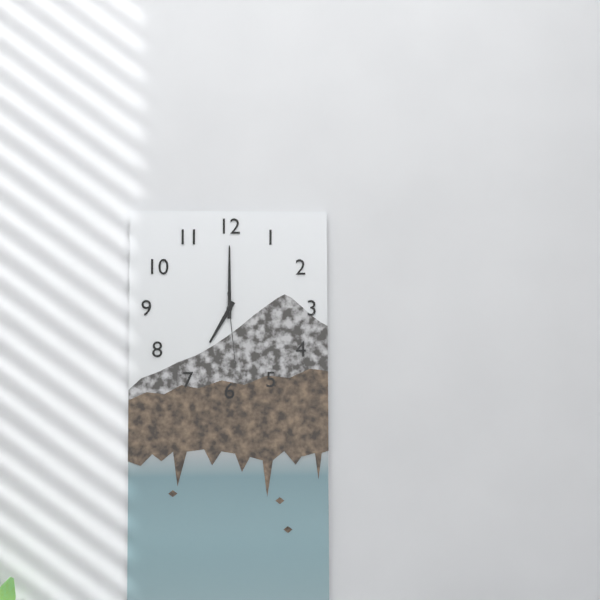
7:00:29
